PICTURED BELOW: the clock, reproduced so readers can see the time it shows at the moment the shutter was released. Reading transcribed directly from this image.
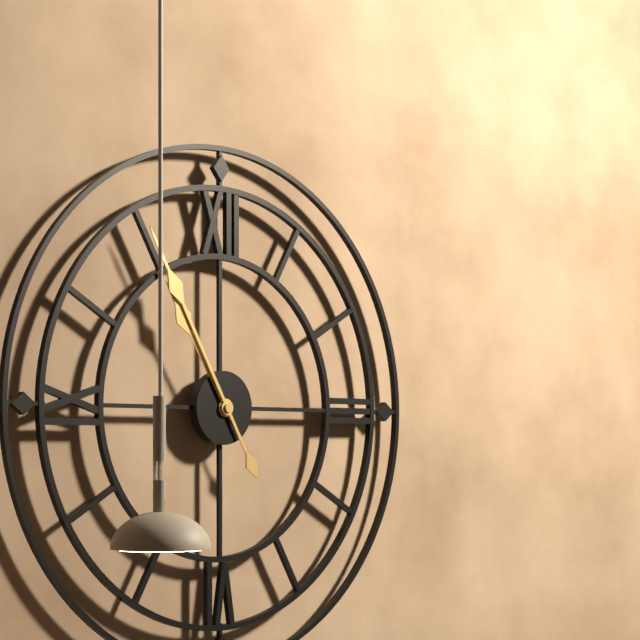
10:55
